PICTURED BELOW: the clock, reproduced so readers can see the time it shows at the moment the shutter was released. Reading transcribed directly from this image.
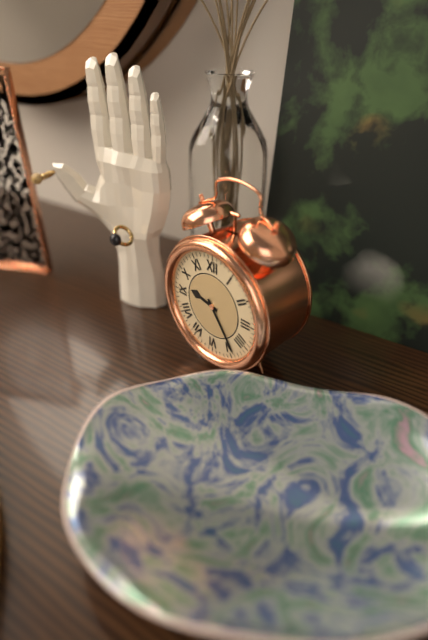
9:24
